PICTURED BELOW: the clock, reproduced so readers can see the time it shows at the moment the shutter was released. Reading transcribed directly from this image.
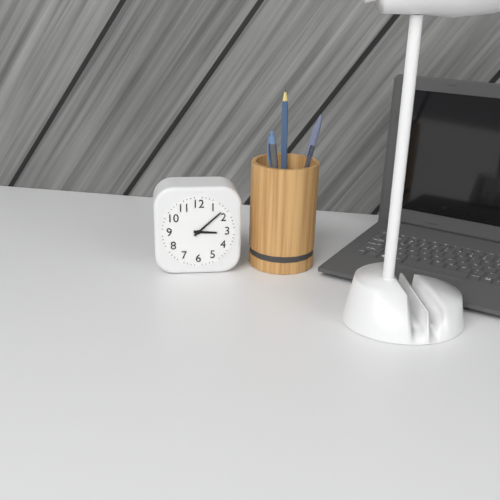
3:08
